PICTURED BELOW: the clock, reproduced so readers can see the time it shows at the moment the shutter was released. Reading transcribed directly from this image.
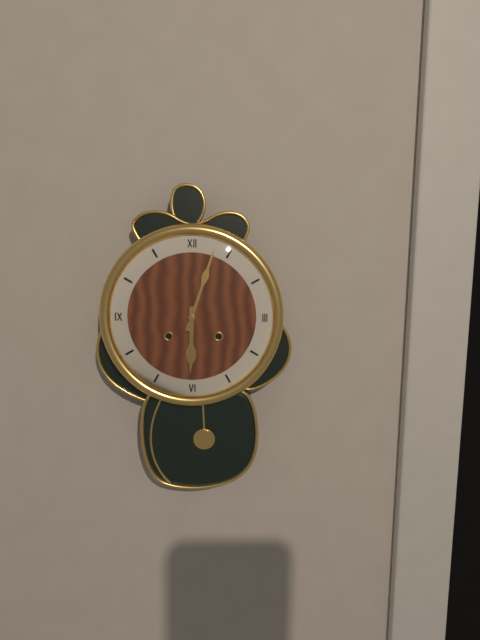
6:03
